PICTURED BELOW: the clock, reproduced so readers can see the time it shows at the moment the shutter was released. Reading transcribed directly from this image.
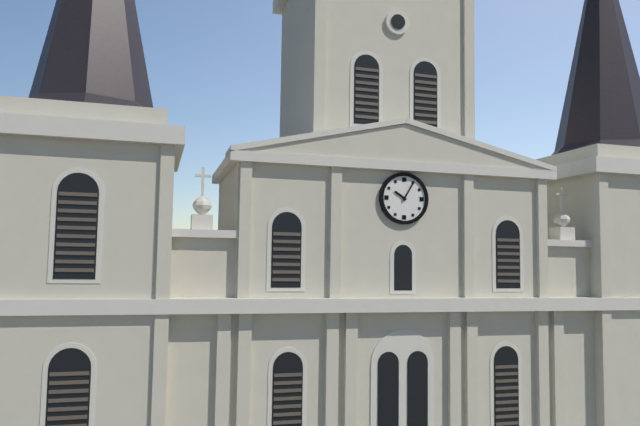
10:05
